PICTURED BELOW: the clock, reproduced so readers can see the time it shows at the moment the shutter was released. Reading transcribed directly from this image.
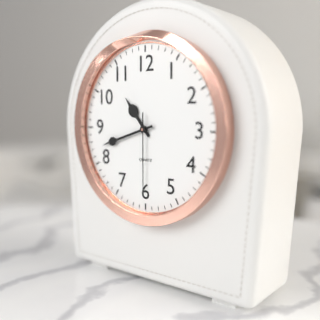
10:42:30
